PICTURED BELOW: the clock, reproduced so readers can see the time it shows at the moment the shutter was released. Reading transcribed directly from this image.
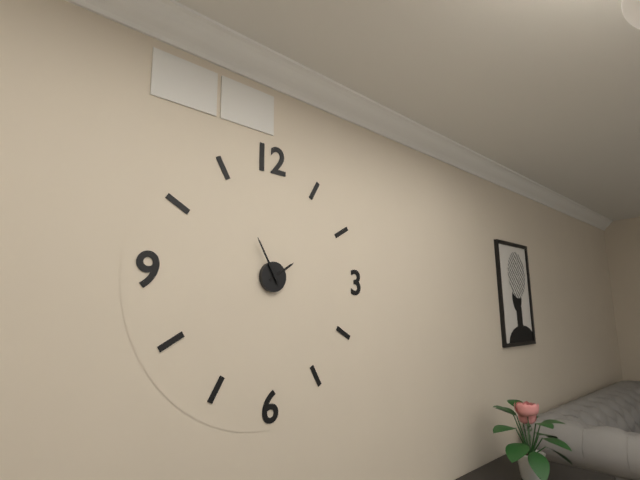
1:55
